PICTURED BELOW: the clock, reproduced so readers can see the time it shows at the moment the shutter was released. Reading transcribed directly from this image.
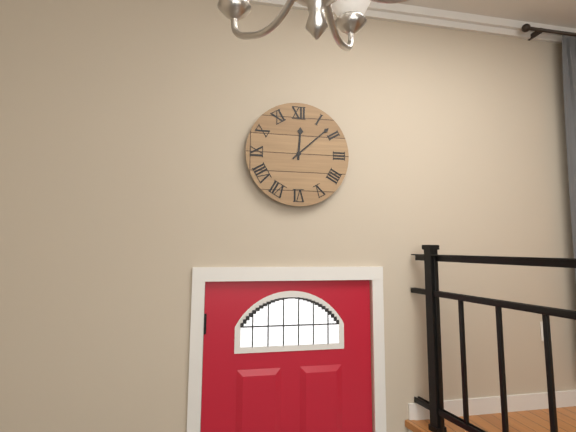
12:08
